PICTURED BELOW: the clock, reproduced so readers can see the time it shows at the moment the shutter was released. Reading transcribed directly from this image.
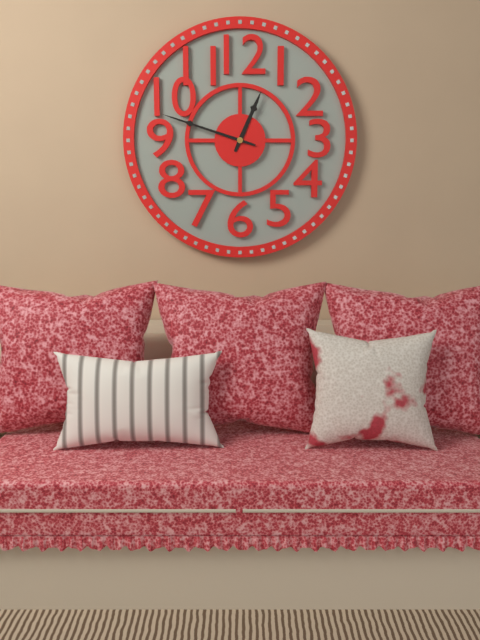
12:48
